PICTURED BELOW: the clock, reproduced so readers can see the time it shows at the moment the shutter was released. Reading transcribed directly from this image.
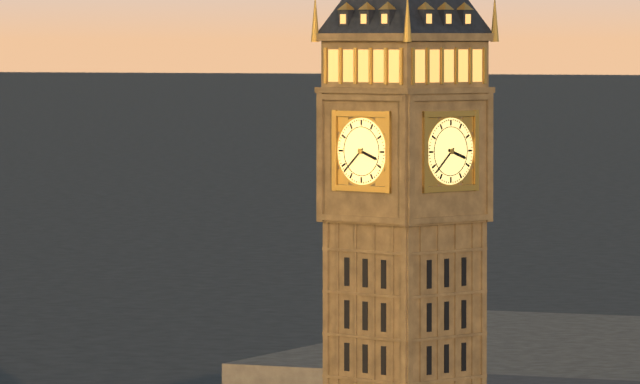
3:38
